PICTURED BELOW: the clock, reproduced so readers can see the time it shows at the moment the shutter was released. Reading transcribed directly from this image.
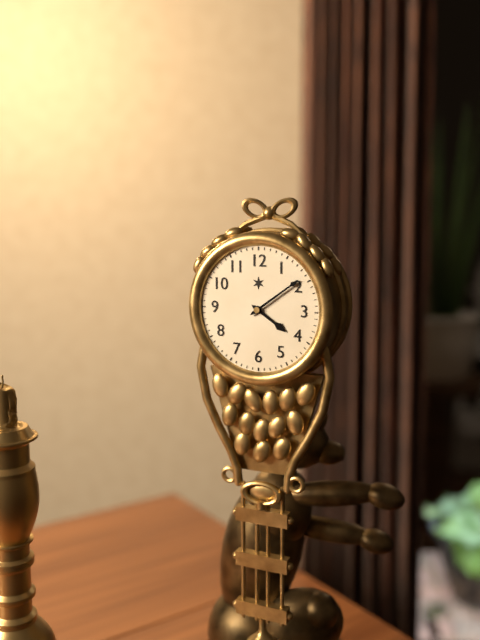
4:09
